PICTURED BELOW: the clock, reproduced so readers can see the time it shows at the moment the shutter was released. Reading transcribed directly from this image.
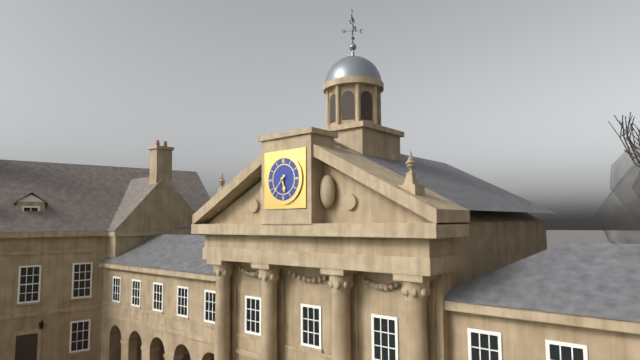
5:37
